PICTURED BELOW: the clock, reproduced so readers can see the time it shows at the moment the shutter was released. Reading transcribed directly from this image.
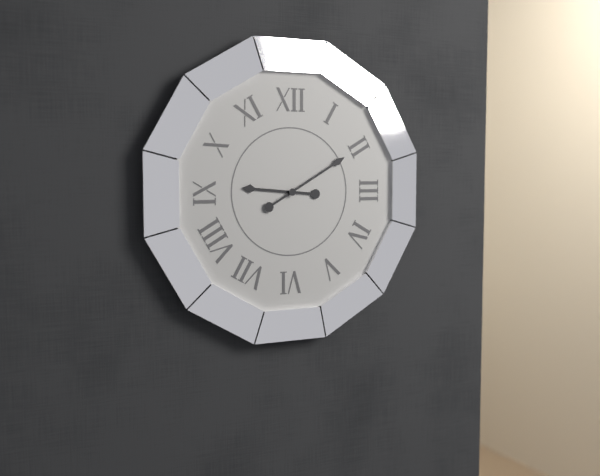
9:10
